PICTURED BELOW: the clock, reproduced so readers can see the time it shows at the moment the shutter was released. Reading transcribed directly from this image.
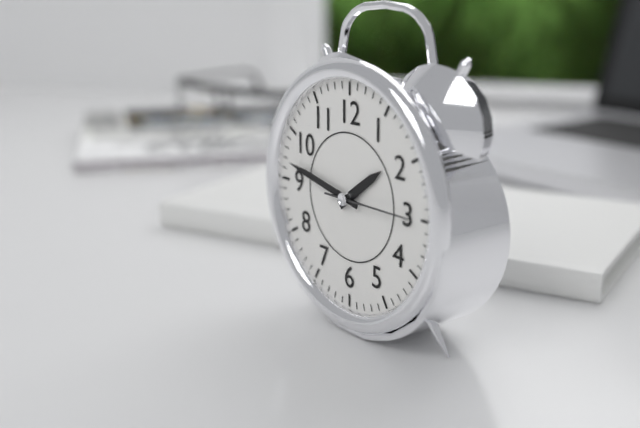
1:47:15
